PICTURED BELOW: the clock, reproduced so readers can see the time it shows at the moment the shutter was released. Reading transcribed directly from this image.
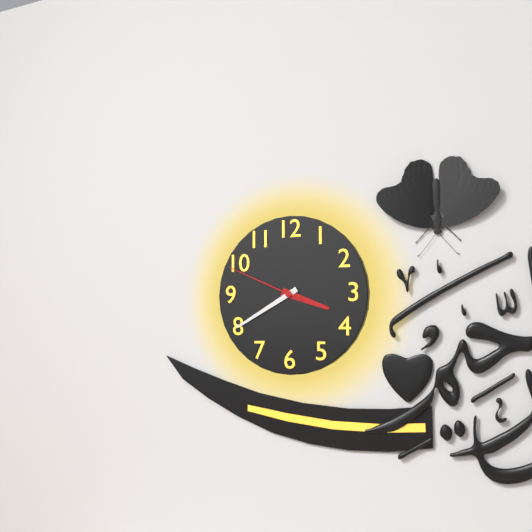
3:40:49
